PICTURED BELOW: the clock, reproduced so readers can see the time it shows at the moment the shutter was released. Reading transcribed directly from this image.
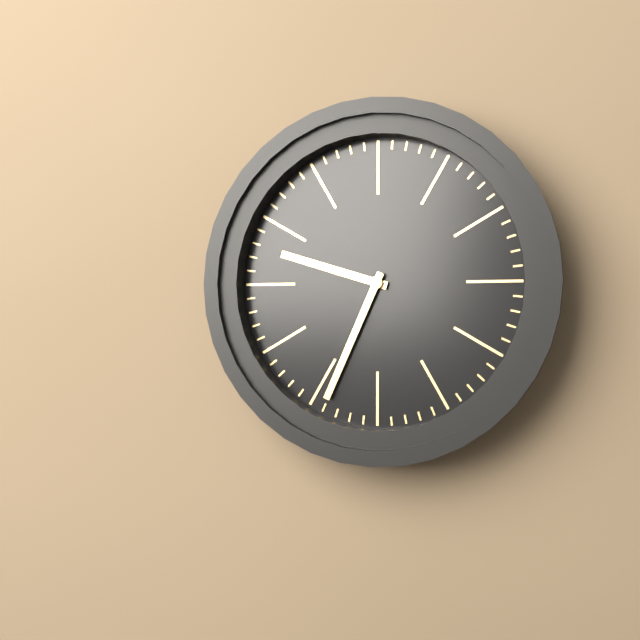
9:34
